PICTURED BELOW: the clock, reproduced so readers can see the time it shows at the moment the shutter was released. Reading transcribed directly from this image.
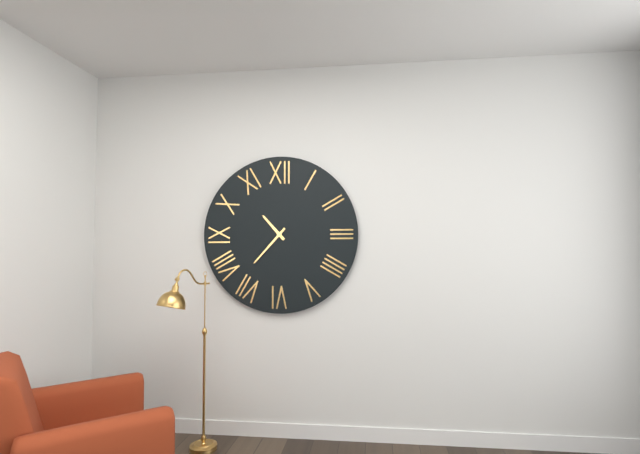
10:37
